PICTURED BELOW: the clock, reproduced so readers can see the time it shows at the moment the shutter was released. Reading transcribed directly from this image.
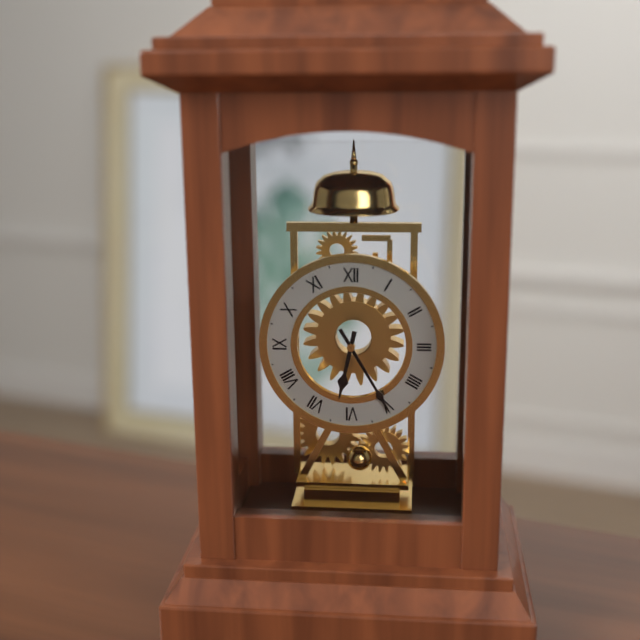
6:25
